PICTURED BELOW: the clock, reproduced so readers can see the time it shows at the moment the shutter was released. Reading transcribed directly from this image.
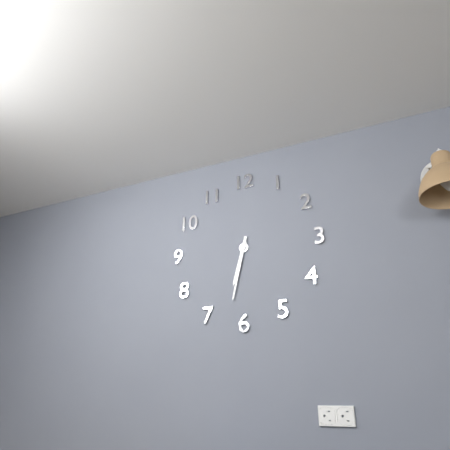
6:32
